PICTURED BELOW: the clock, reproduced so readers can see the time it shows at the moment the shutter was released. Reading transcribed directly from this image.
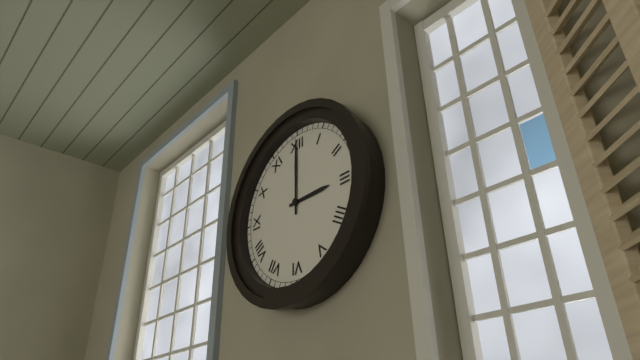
3:00
